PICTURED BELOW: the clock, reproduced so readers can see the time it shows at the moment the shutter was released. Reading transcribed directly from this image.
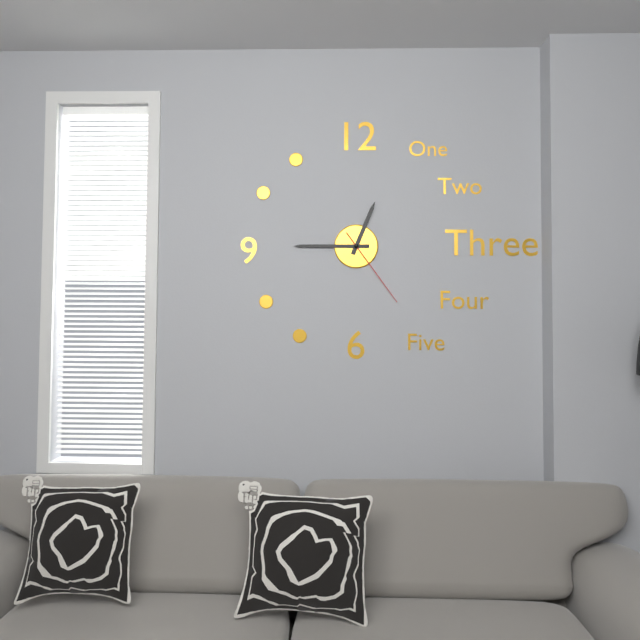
12:45:24
